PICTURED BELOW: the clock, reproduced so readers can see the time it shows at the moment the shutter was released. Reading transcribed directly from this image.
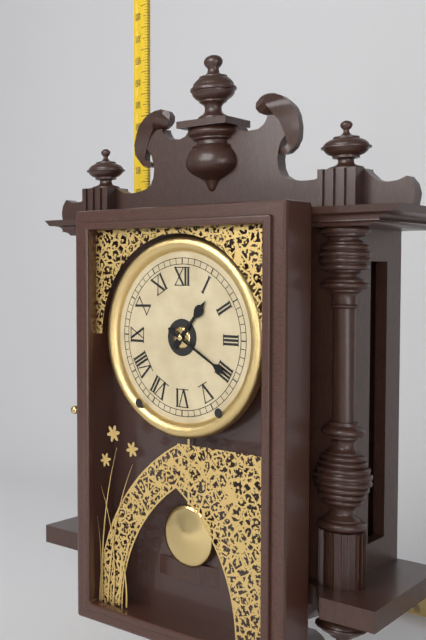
1:20
